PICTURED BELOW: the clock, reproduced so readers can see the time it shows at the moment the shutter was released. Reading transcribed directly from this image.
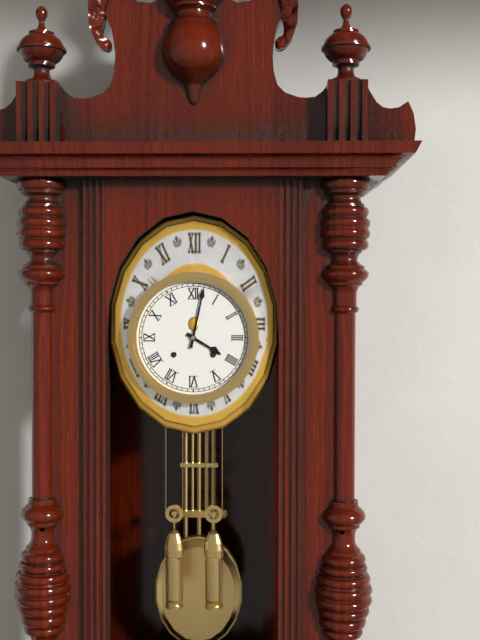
4:02
